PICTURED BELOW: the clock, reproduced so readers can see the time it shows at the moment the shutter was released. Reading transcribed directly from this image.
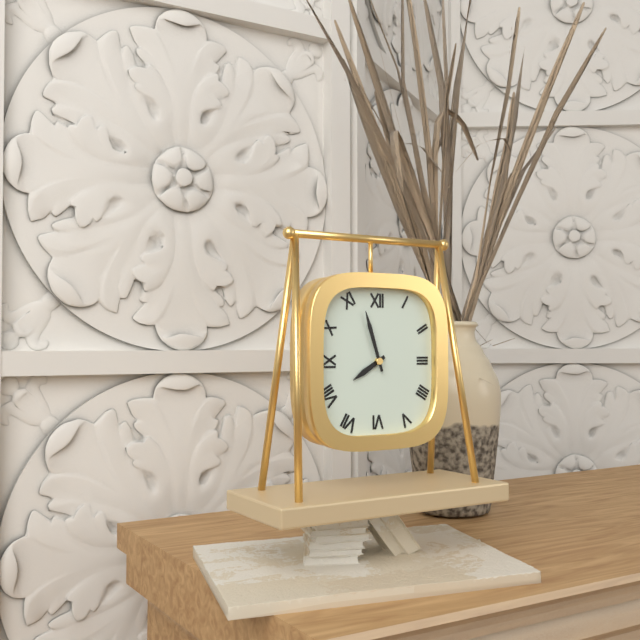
7:57
